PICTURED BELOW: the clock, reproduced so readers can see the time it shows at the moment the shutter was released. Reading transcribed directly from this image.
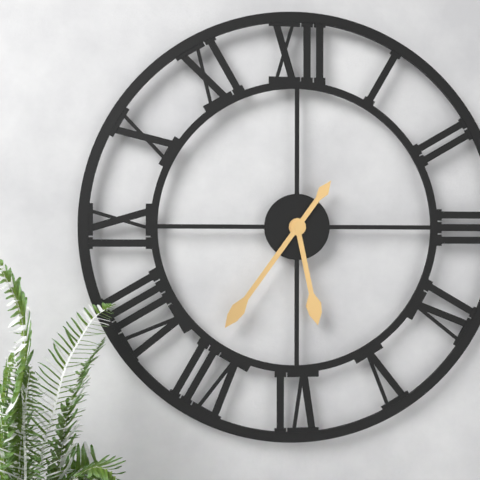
5:36
